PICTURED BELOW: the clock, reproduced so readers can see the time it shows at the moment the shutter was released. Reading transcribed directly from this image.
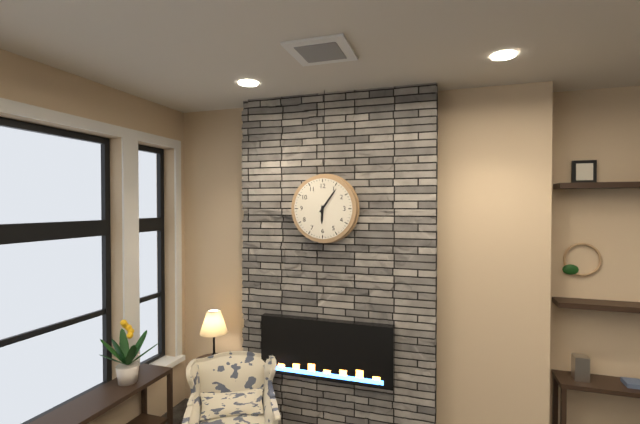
6:06
